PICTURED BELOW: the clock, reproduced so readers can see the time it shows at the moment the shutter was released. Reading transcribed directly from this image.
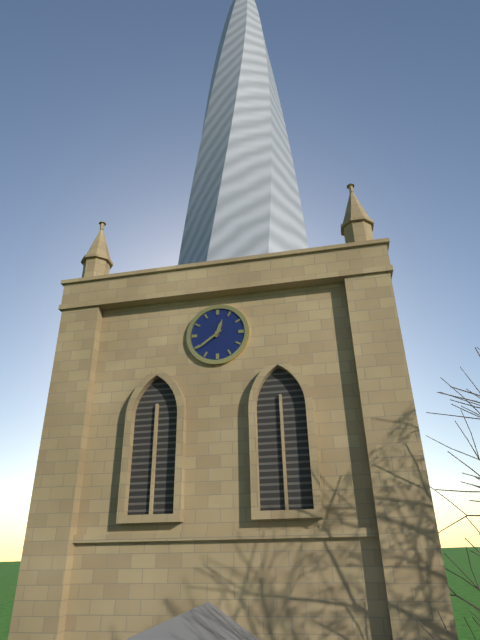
12:39
